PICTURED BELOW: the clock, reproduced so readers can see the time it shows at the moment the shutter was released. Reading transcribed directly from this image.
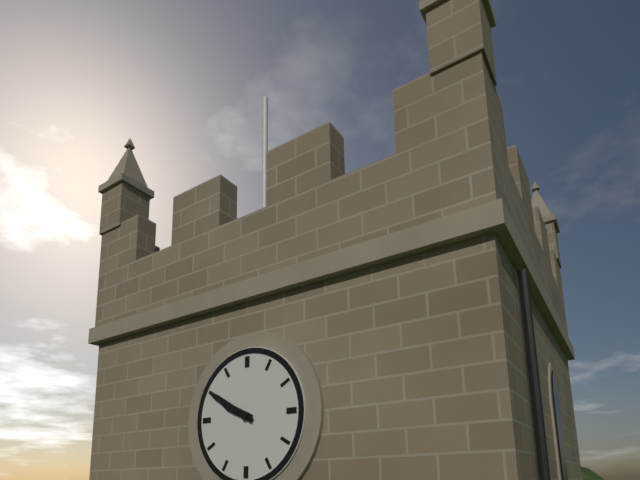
9:50
